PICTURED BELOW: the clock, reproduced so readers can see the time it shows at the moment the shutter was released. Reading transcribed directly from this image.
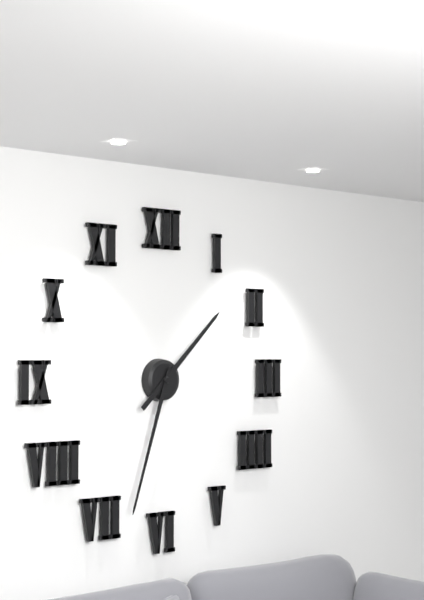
1:33
